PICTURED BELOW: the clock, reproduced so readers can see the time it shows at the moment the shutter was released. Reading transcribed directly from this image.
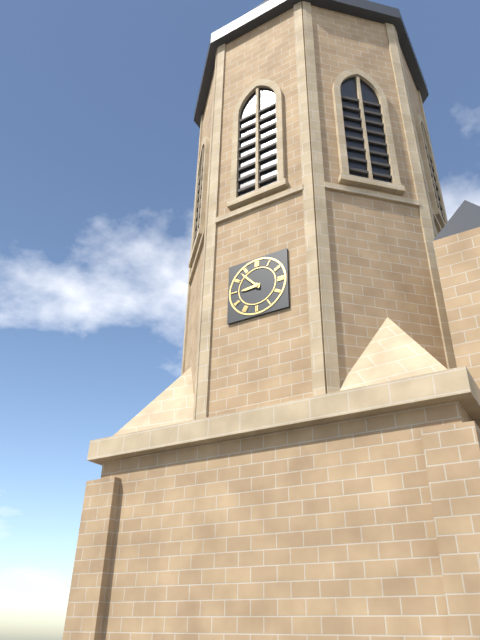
8:53
